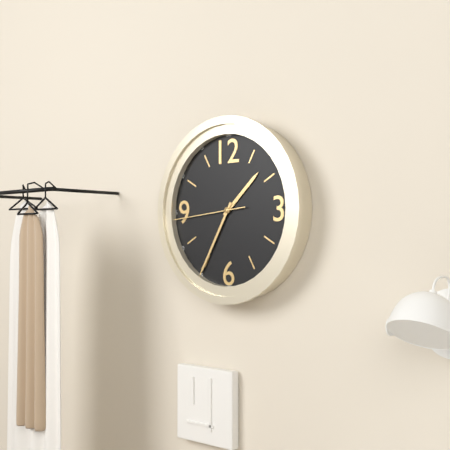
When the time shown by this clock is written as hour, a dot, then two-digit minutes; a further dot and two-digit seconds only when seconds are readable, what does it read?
1.35.44
